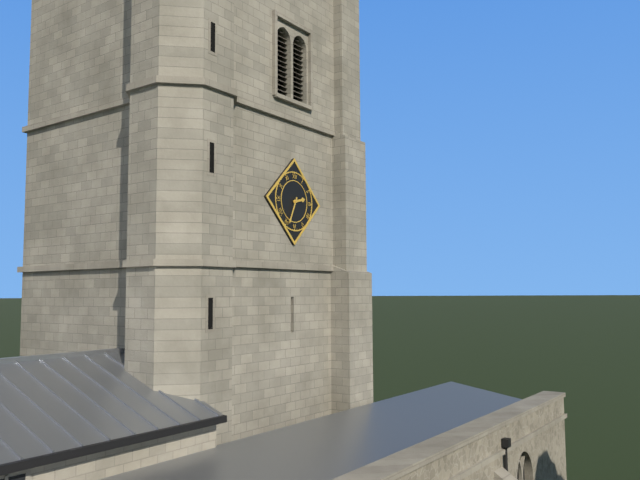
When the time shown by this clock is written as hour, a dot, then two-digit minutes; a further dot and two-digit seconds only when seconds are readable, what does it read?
2.34
